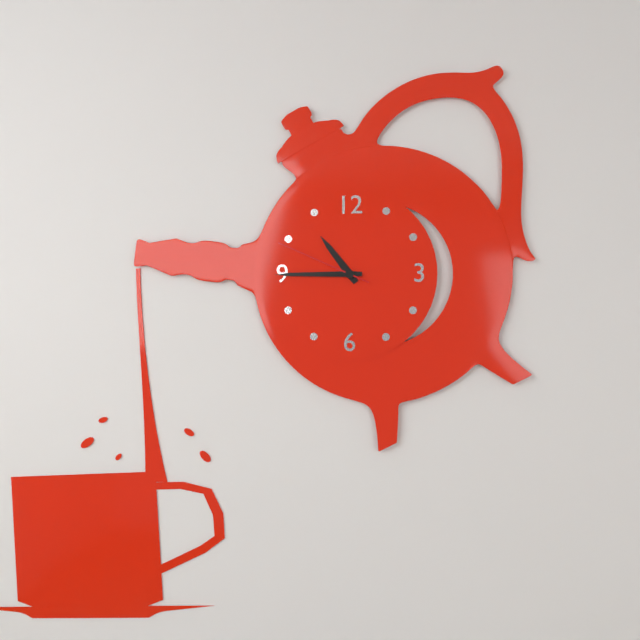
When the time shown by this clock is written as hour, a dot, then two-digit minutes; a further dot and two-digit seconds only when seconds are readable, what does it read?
10.45.49
